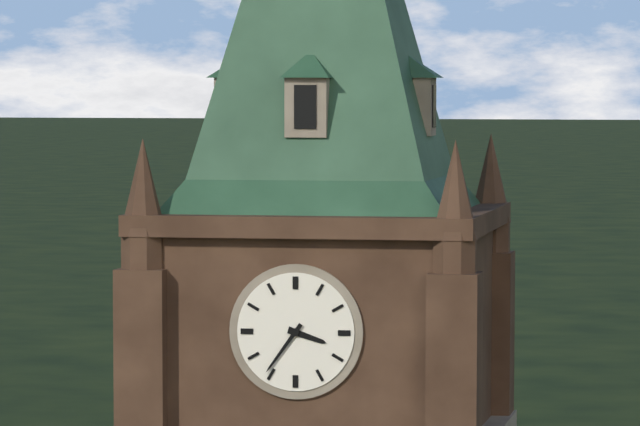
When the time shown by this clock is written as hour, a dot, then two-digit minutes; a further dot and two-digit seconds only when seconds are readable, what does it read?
3.36
